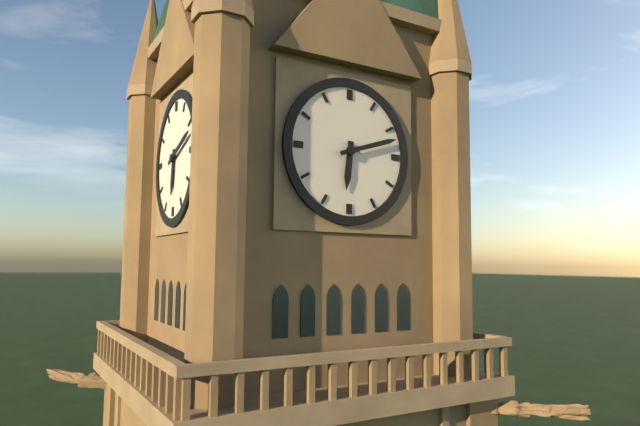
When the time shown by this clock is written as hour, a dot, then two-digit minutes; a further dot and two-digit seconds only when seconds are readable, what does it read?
6.12
